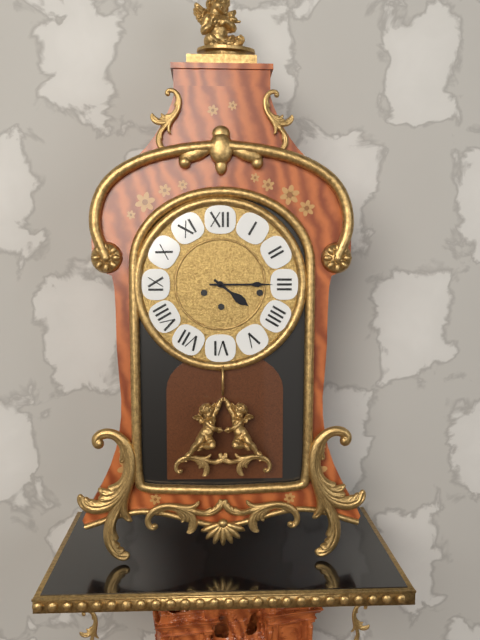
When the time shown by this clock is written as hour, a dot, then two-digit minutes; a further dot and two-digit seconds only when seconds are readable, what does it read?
4.15
